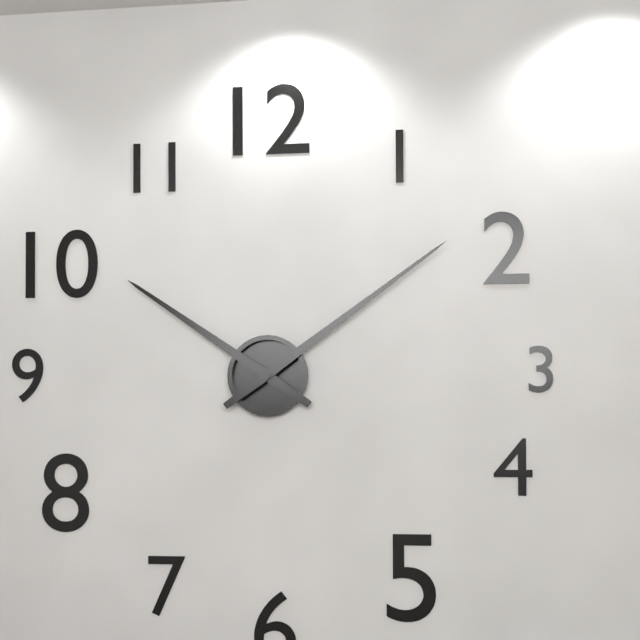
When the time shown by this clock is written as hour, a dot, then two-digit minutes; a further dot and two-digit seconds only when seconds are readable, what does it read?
10.09
